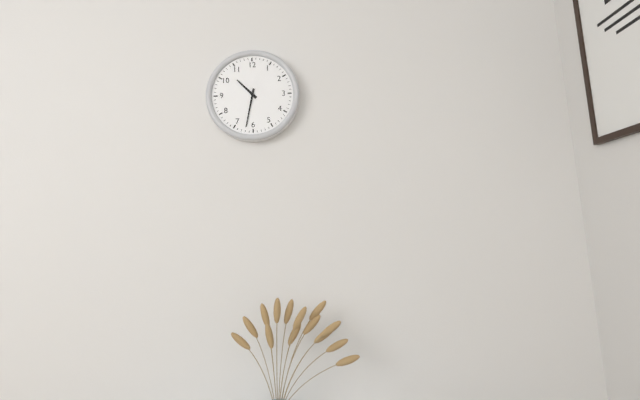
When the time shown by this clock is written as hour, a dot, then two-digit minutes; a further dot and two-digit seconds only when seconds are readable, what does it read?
10.32
